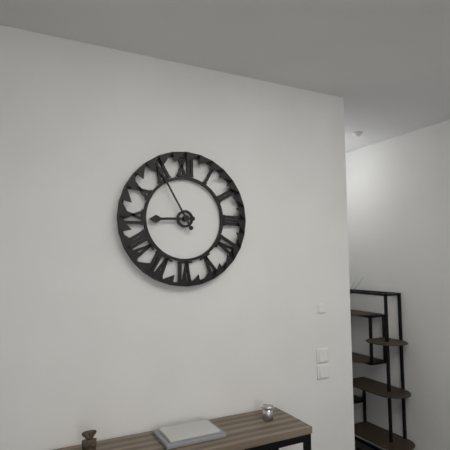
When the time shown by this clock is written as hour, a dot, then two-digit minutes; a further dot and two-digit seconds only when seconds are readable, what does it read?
8.55
